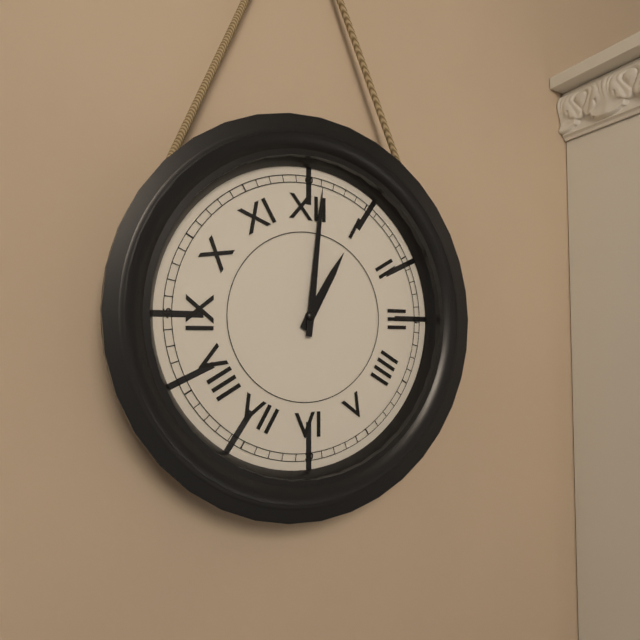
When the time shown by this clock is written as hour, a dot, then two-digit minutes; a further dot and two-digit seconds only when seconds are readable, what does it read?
1.01
